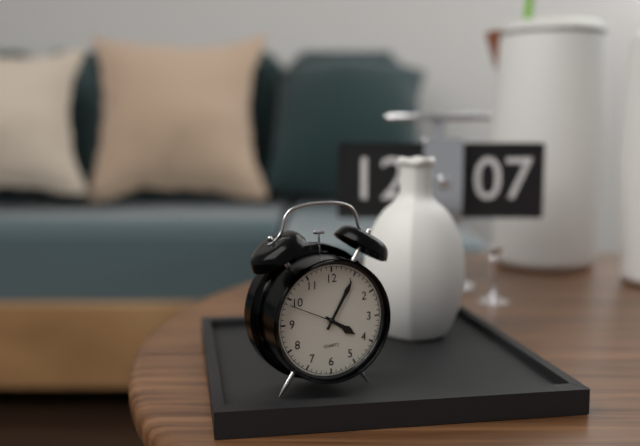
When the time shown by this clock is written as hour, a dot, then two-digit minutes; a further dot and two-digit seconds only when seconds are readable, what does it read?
4.05.49
